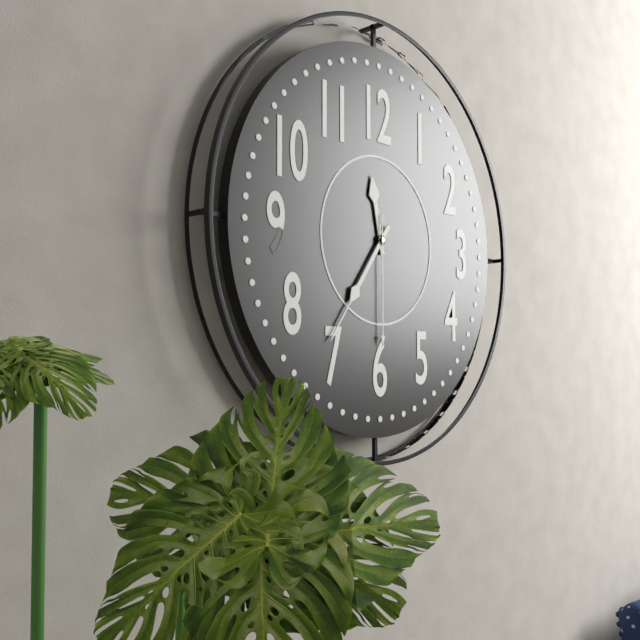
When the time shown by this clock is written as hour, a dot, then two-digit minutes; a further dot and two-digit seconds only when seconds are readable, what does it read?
11.36.30
